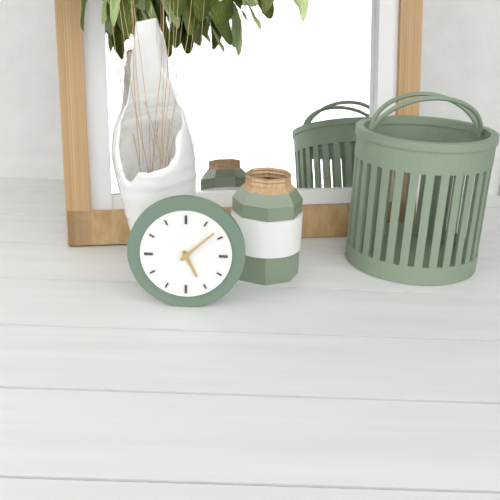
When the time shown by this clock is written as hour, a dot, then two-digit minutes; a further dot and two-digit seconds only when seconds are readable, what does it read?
5.08
